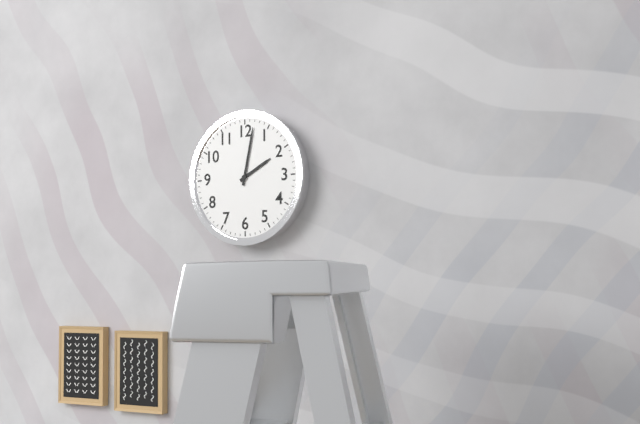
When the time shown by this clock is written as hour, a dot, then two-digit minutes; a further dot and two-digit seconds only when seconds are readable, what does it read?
2.02
